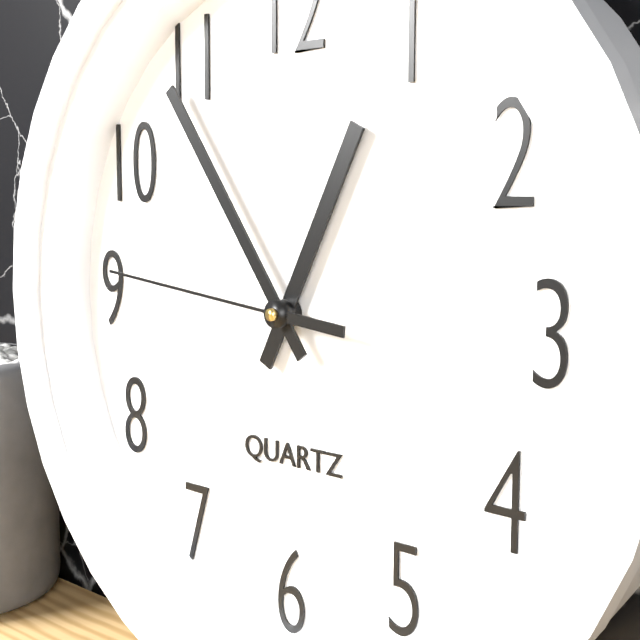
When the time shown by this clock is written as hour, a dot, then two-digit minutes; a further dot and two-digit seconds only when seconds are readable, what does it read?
12.54.46
